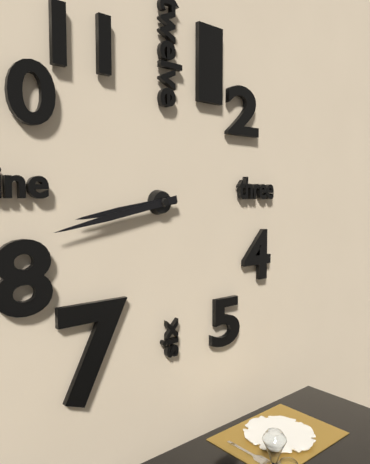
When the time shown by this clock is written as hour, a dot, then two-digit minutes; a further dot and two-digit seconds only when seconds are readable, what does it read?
8.43
